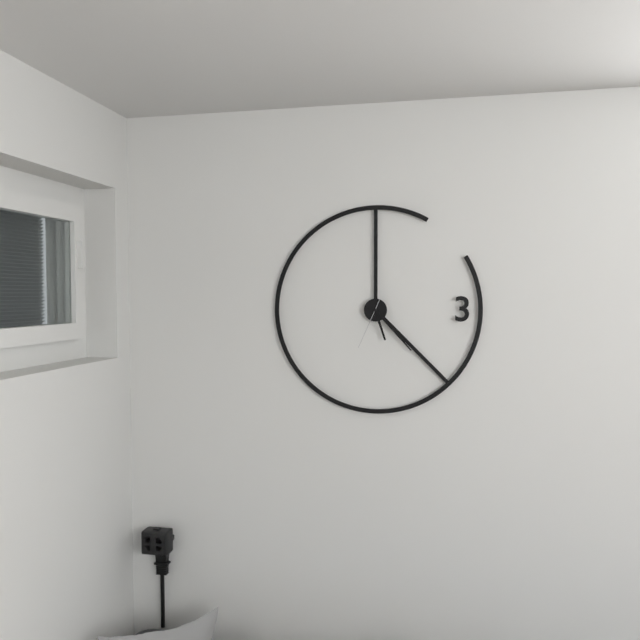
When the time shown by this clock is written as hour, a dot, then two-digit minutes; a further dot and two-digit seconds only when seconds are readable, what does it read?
5.23.34
